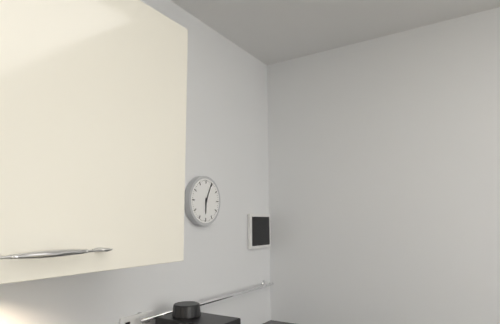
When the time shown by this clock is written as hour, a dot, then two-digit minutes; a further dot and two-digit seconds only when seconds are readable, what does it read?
6.04
